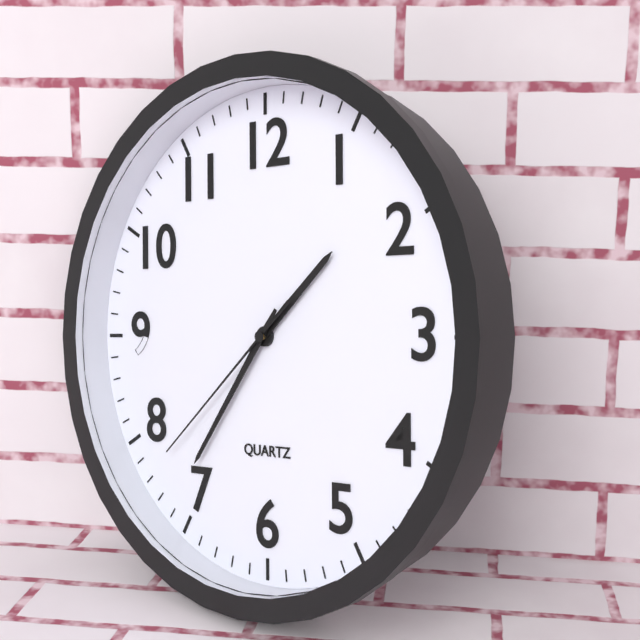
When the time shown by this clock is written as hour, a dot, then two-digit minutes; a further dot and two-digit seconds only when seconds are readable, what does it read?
1.36.38
